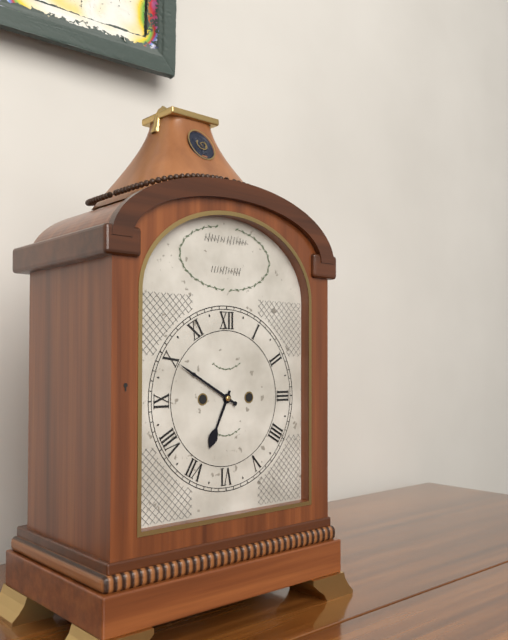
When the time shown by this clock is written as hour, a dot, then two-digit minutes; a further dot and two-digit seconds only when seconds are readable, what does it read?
6.50
